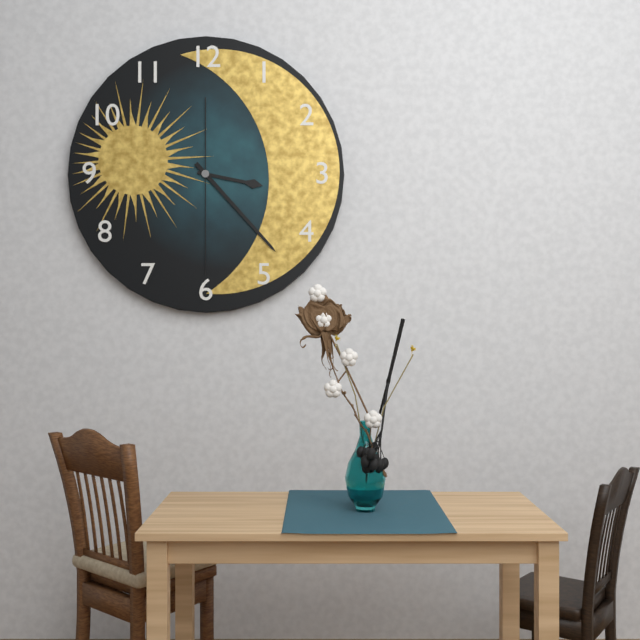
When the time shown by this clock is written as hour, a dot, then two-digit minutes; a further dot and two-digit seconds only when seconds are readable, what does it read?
3.23.30
